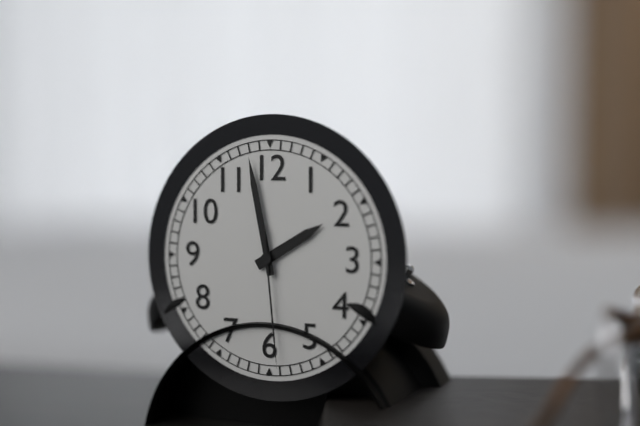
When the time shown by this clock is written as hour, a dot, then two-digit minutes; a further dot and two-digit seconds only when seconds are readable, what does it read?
1.58.29
